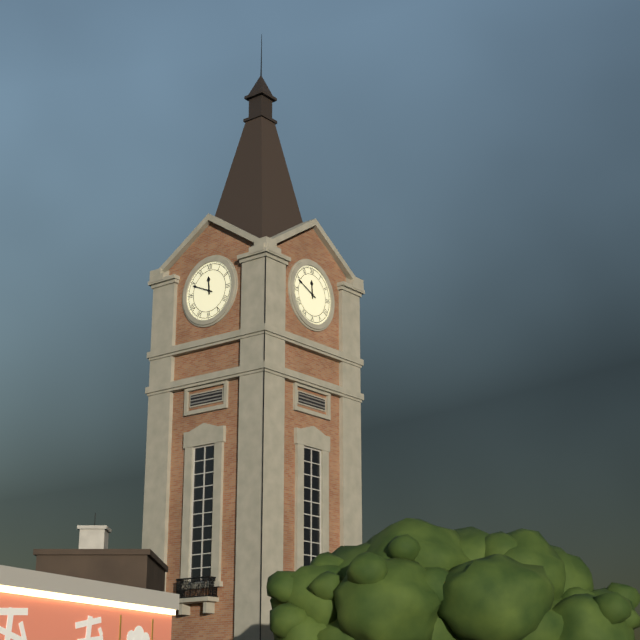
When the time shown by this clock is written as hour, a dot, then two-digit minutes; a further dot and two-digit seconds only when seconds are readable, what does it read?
11.49
